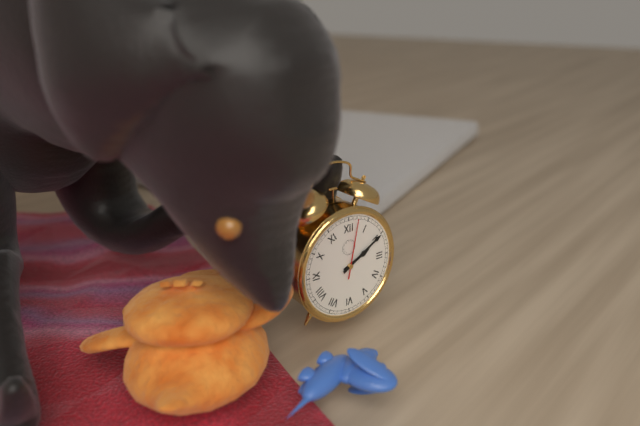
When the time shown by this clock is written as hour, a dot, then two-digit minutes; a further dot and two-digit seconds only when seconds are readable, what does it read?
2.10.02
